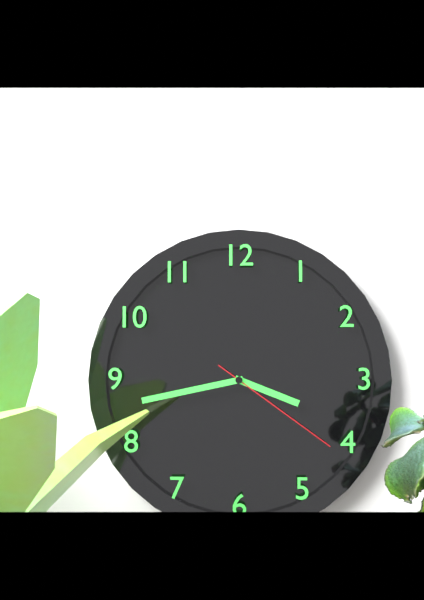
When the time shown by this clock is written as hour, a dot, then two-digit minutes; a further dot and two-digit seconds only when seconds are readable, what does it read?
3.43.21
